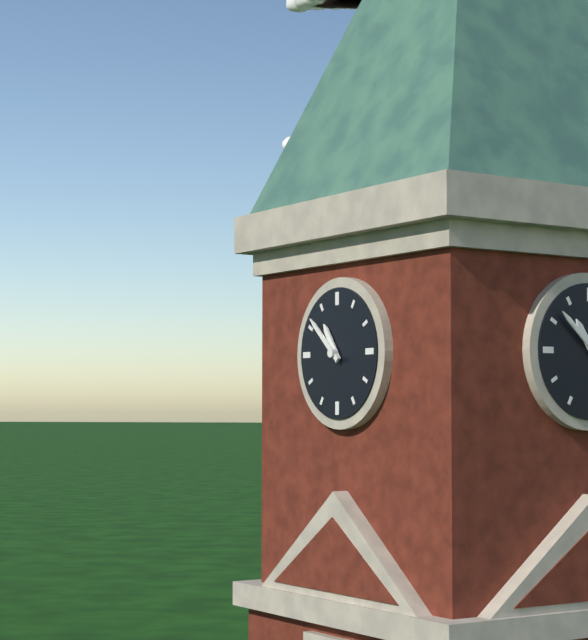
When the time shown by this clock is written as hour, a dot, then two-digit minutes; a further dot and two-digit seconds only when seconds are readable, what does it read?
10.52
